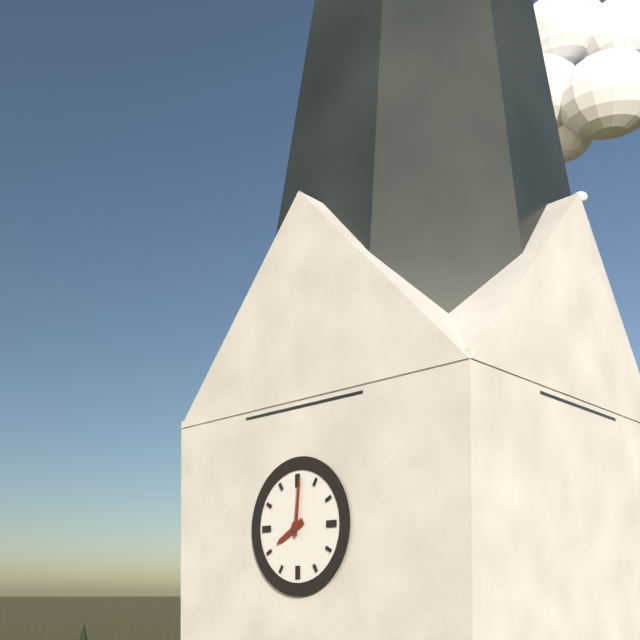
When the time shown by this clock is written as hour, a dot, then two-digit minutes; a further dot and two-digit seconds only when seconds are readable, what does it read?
8.01
